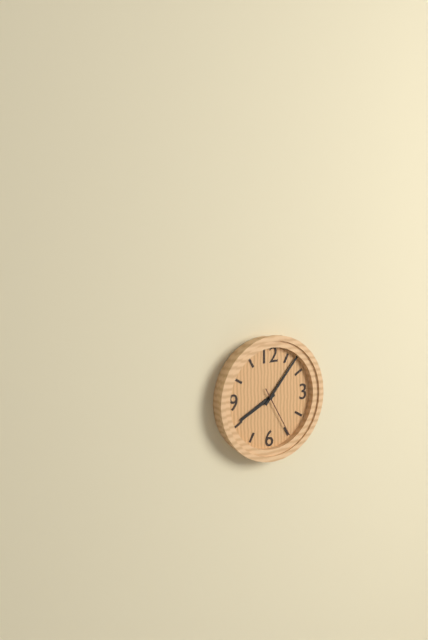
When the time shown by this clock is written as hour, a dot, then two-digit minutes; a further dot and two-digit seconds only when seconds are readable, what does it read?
8.07.25
